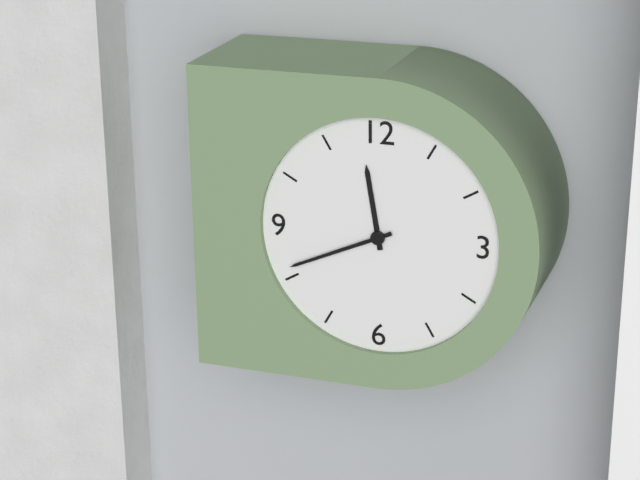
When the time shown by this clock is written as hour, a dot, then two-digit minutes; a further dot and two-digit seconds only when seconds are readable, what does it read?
11.41
